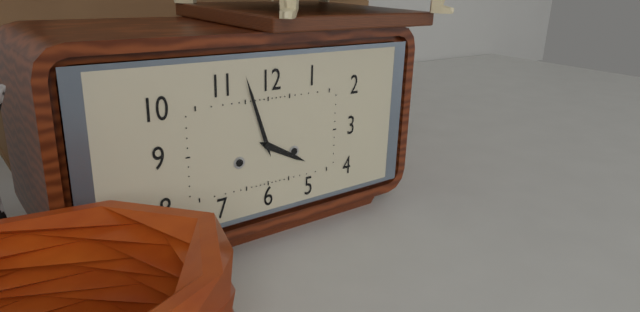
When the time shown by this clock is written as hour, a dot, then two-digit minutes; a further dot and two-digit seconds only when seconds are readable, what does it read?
3.57
